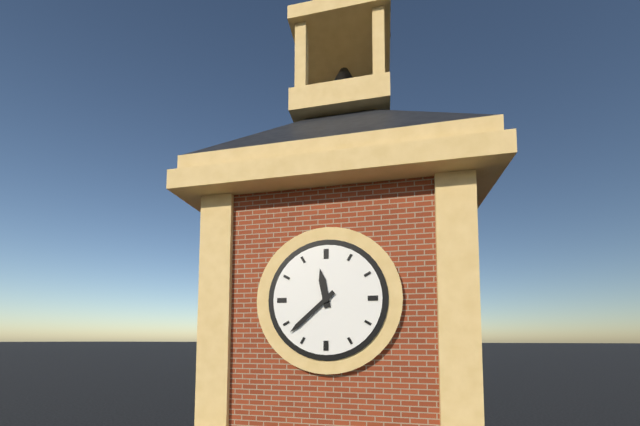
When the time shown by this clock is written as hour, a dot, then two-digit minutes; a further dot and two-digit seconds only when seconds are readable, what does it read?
11.38
